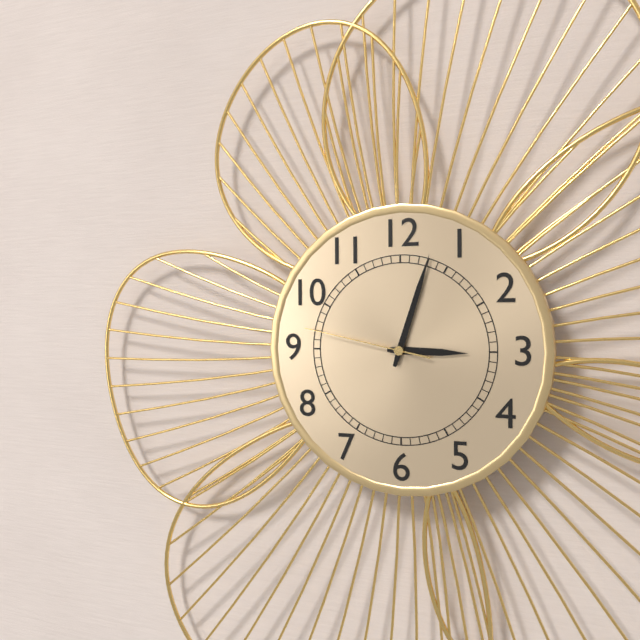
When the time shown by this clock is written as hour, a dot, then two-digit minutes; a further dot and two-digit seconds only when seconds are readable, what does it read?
3.03.47
